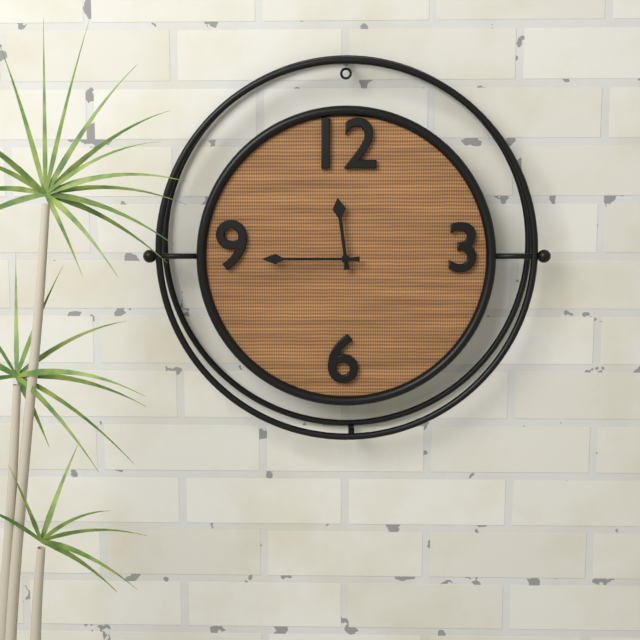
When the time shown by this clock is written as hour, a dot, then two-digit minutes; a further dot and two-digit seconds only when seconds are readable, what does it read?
11.45
